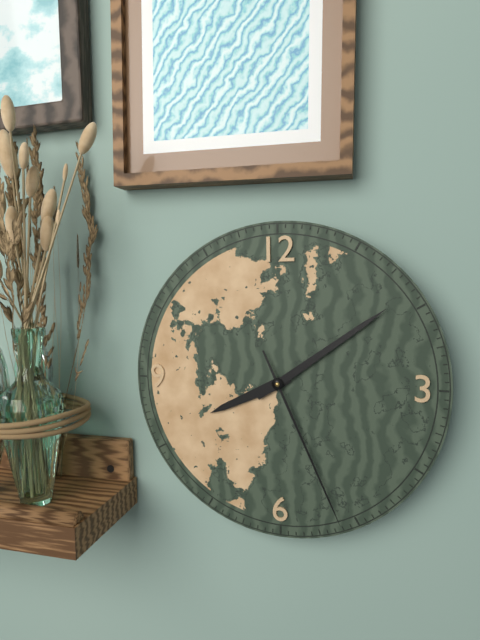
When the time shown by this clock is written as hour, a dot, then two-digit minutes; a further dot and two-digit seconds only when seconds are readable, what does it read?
8.09.26
